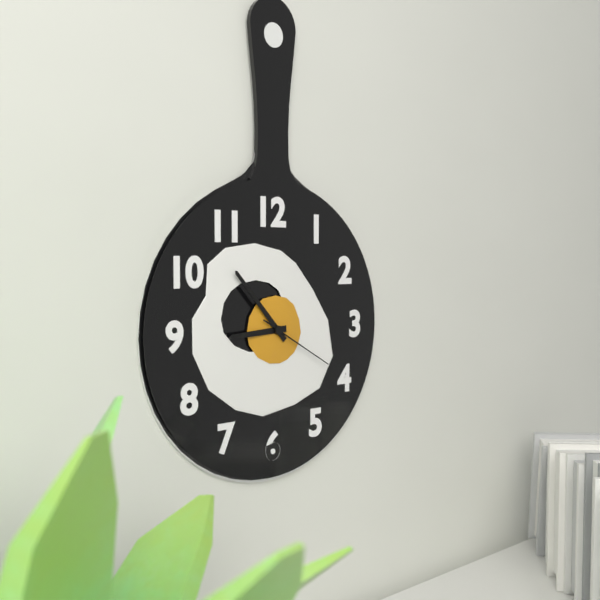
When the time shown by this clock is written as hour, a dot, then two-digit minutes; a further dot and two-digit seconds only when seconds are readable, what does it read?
8.53.20
